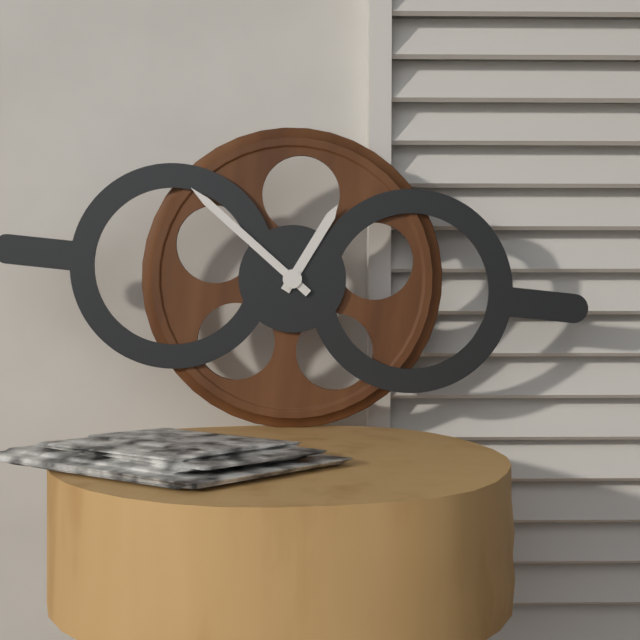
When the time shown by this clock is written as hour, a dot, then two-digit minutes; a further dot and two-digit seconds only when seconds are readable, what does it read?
12.51
